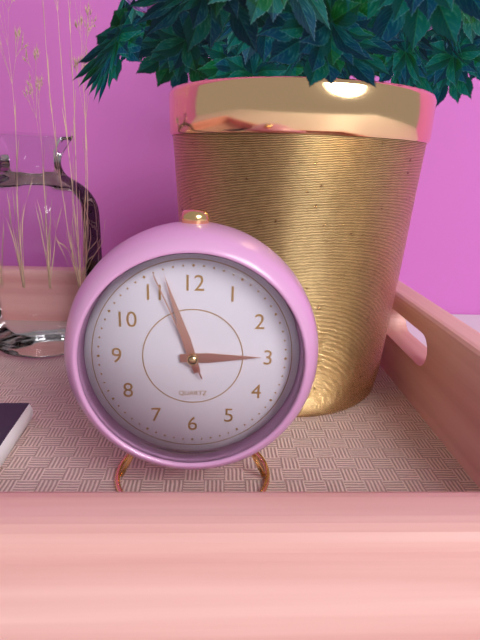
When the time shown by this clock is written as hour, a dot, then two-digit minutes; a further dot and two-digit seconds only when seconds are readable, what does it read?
2.57.56
